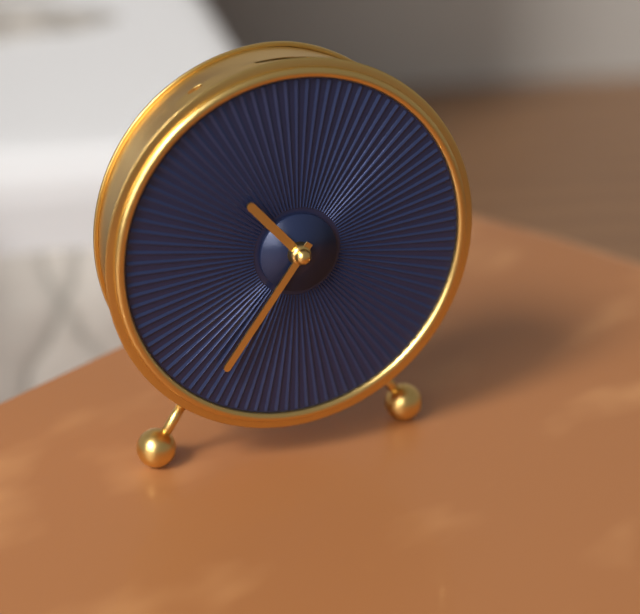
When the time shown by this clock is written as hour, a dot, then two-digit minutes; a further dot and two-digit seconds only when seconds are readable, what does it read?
10.36
